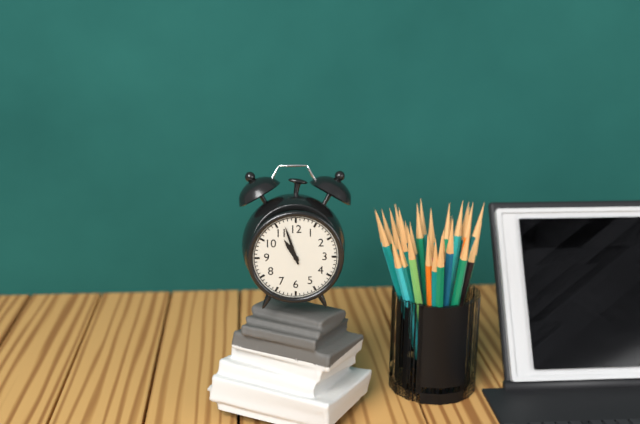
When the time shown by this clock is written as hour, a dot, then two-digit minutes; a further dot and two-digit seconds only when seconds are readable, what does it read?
10.57
